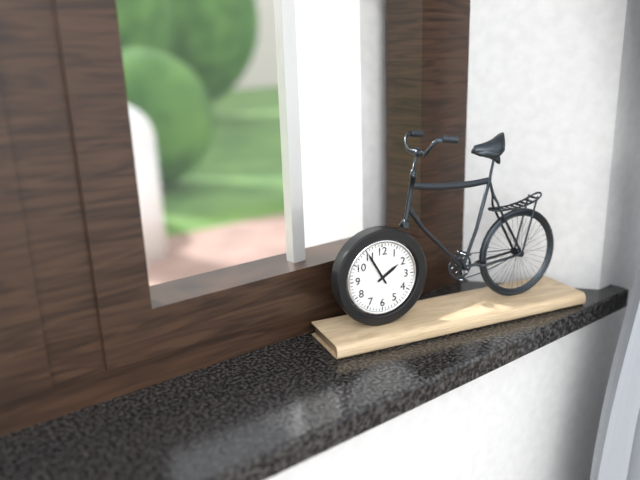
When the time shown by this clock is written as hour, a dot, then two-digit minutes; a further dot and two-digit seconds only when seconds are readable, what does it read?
1.55
